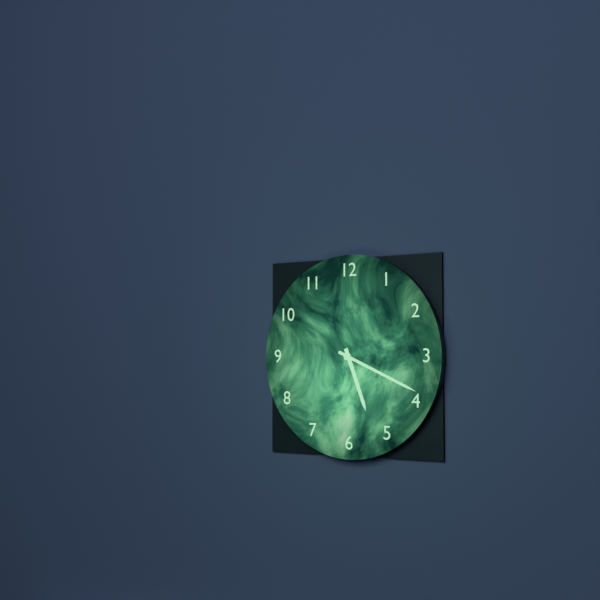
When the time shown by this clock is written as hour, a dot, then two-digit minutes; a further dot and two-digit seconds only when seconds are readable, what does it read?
5.19
